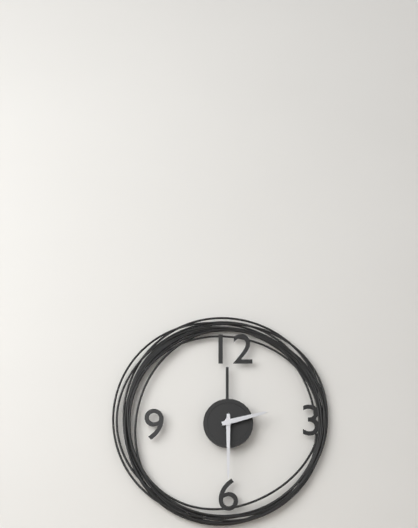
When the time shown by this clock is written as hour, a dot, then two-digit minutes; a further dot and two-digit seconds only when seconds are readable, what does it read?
2.30
